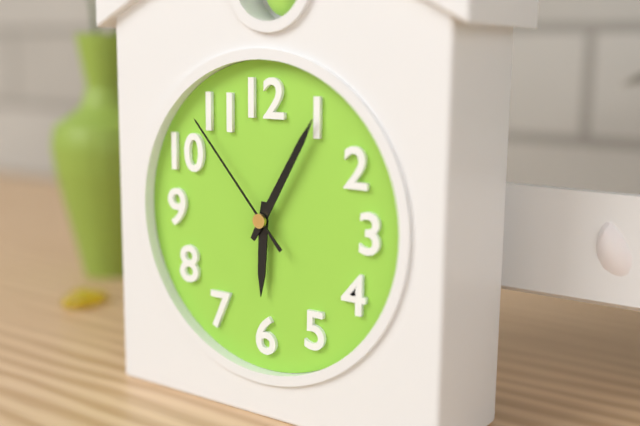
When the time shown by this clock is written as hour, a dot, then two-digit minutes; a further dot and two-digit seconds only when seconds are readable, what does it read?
6.05.53
